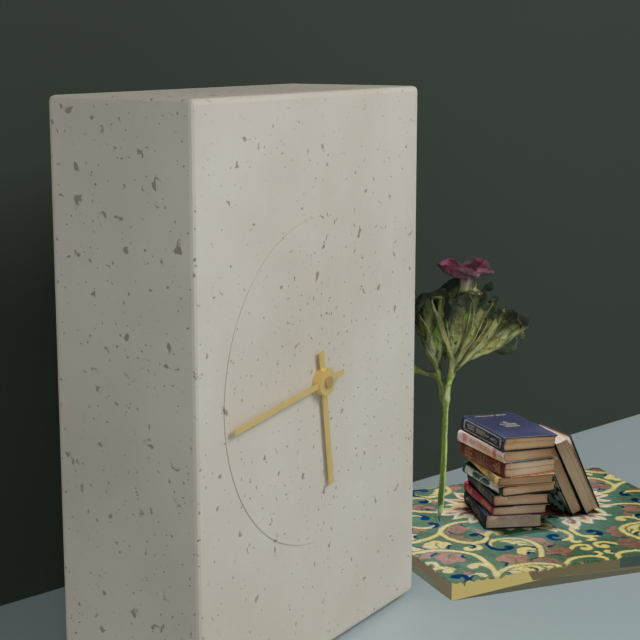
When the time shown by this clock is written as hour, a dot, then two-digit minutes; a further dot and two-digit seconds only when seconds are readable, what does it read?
5.44
